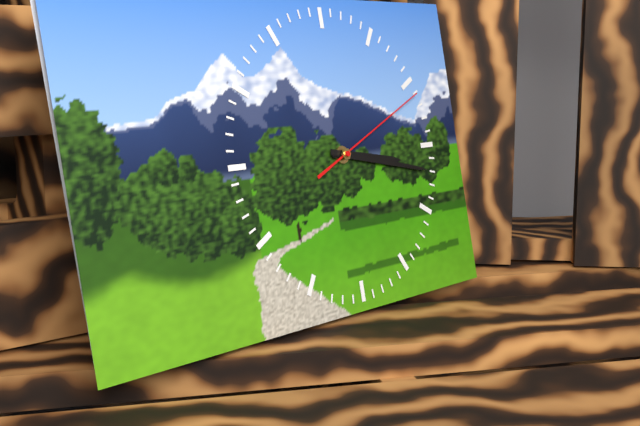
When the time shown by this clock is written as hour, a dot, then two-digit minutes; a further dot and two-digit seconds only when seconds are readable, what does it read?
3.17.11
